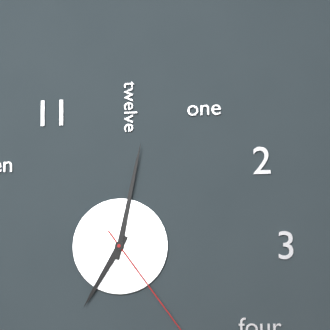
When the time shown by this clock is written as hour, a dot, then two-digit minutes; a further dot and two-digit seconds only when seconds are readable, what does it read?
7.02
